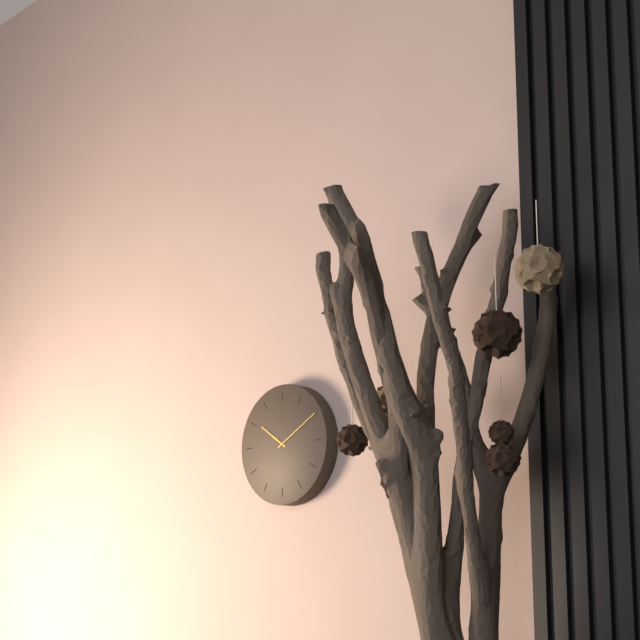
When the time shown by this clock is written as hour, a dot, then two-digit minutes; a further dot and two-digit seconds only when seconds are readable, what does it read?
10.10
